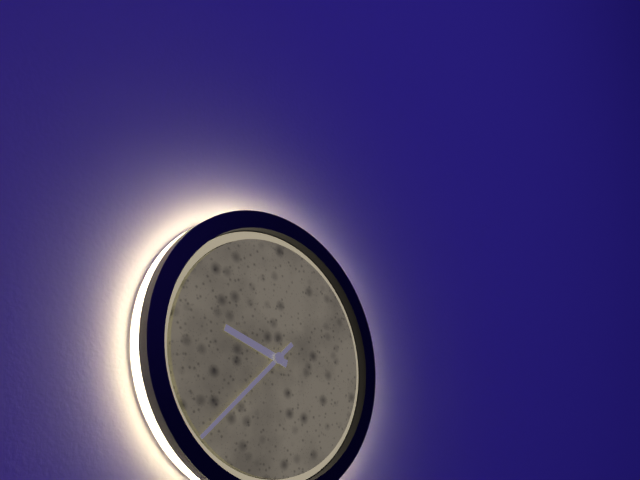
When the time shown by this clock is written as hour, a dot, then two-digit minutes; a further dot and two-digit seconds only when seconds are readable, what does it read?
9.38
